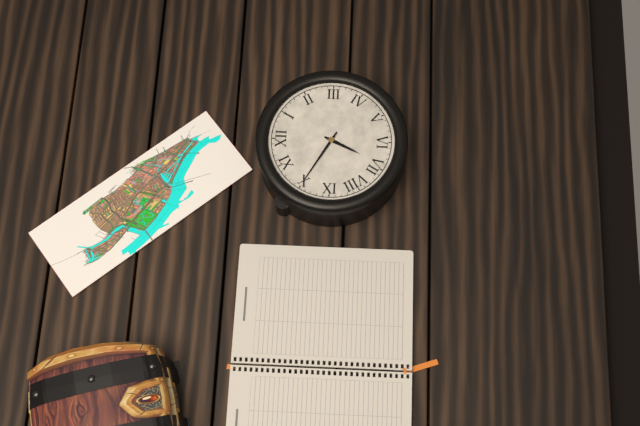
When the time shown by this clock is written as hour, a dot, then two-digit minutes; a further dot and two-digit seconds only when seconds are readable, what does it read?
6.50
